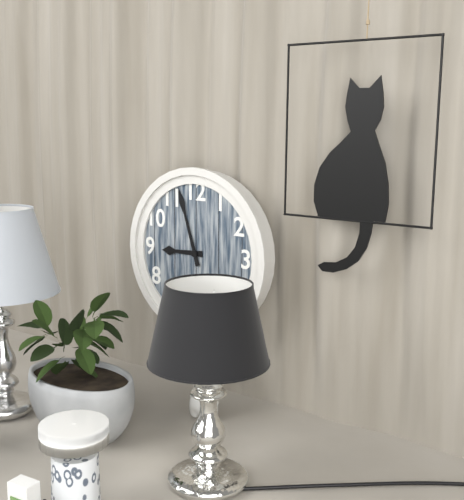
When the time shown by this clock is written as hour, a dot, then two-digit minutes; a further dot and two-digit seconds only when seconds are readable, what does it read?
8.57
